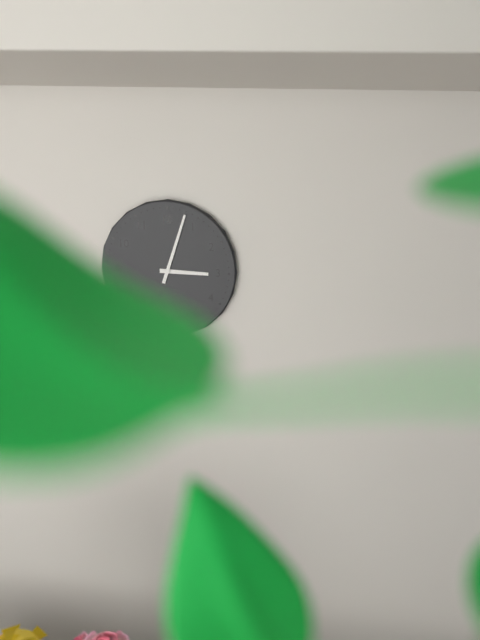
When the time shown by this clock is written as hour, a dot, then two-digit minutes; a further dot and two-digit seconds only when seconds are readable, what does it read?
3.03
